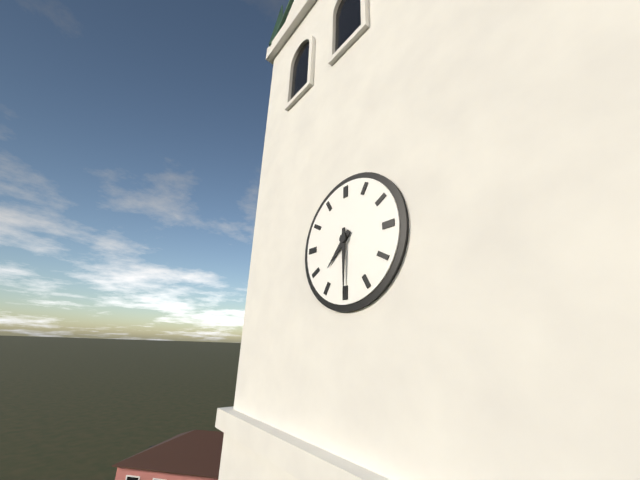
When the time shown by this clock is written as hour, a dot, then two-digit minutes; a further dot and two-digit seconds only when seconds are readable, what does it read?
7.30
